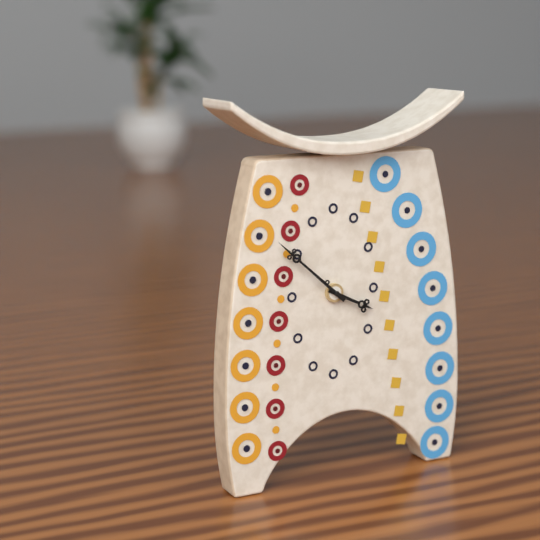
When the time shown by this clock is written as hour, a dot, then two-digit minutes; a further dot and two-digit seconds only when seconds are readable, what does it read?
3.52
